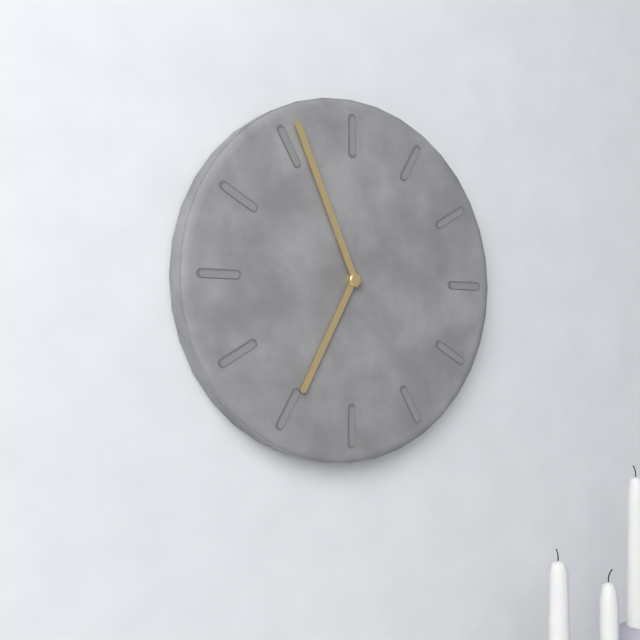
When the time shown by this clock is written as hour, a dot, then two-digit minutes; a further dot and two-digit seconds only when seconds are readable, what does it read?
6.56
